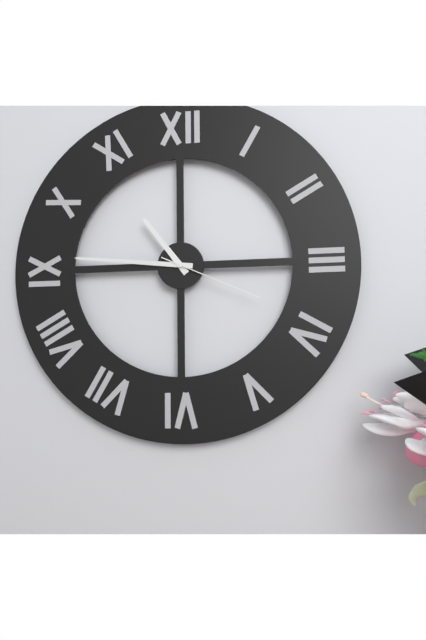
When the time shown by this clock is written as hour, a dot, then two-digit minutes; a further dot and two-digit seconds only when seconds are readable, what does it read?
10.46.19
